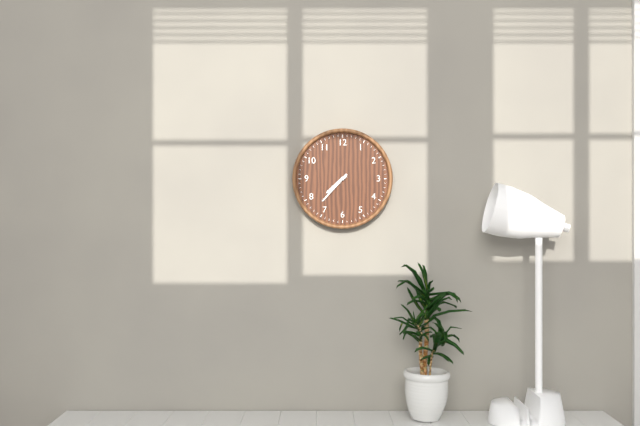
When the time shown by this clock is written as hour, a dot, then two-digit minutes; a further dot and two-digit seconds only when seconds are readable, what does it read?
7.37
